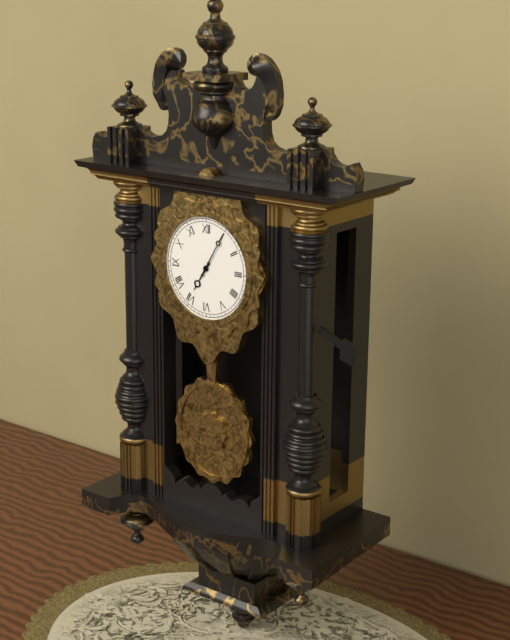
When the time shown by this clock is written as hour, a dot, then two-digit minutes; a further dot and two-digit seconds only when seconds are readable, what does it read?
7.05
